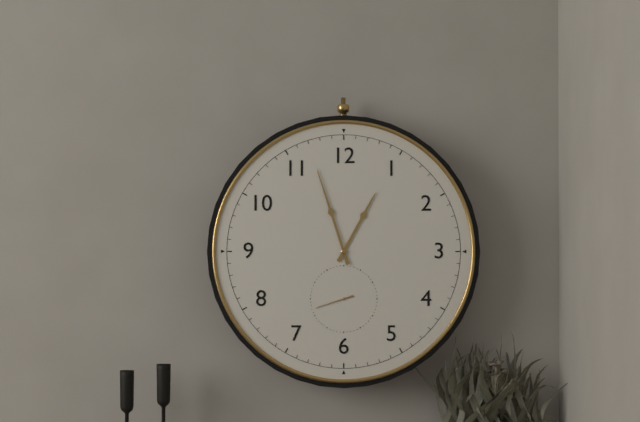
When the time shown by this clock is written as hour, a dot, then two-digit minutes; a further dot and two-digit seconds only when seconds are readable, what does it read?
12.57
